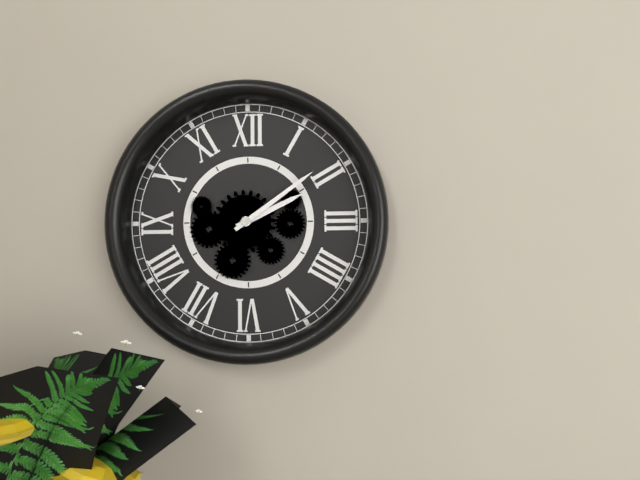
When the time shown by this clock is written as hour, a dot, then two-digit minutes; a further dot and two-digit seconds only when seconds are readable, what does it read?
2.09
